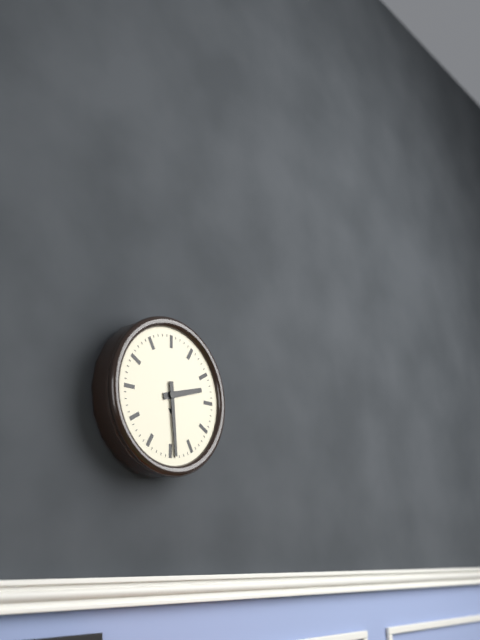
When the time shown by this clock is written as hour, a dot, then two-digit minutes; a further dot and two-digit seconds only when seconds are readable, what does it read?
2.29
